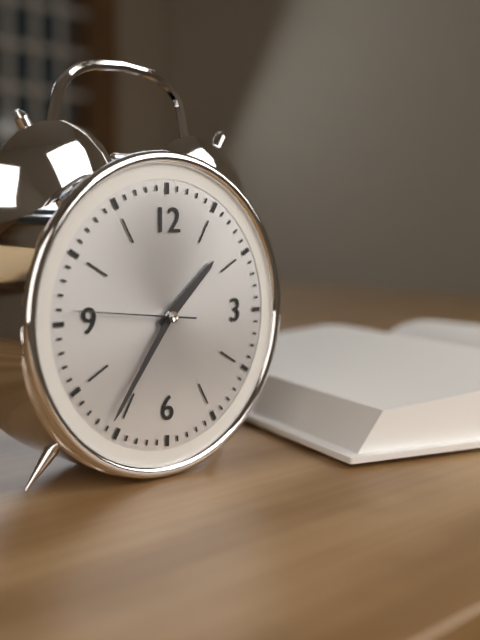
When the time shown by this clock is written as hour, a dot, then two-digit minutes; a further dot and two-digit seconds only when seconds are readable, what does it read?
1.36.46
